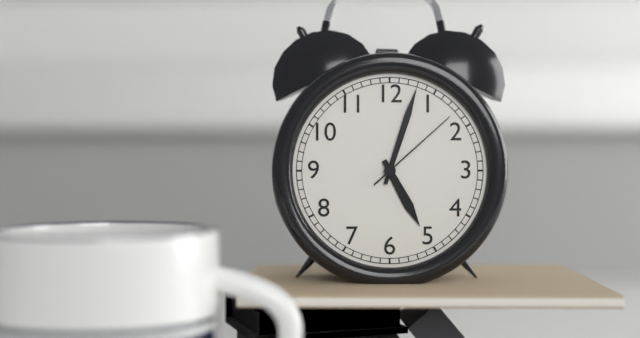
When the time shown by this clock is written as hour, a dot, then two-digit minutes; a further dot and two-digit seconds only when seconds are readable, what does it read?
5.03.08
